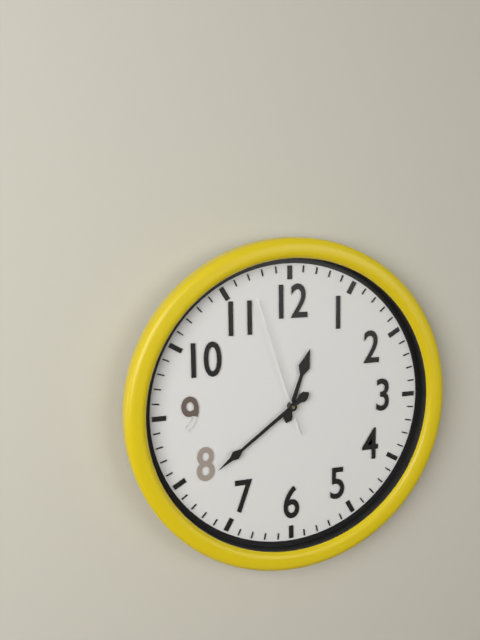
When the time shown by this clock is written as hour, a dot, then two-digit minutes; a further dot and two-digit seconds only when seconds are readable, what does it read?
12.39.57
